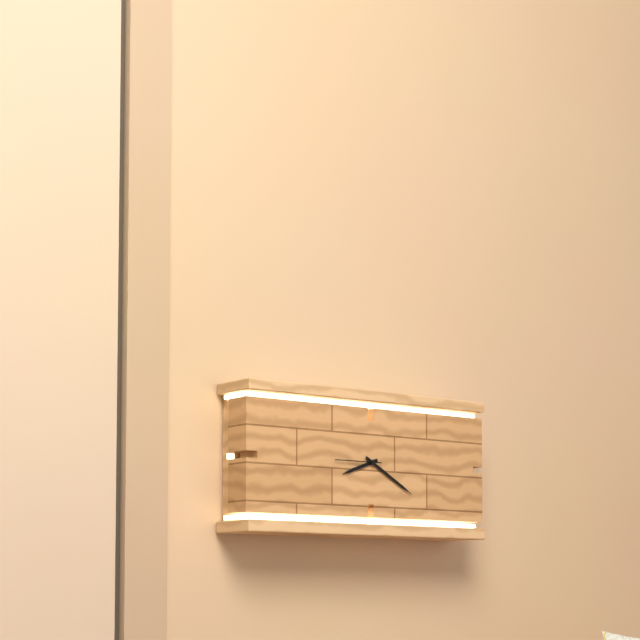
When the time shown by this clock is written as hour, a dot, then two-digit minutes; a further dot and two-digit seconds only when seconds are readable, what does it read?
8.20
